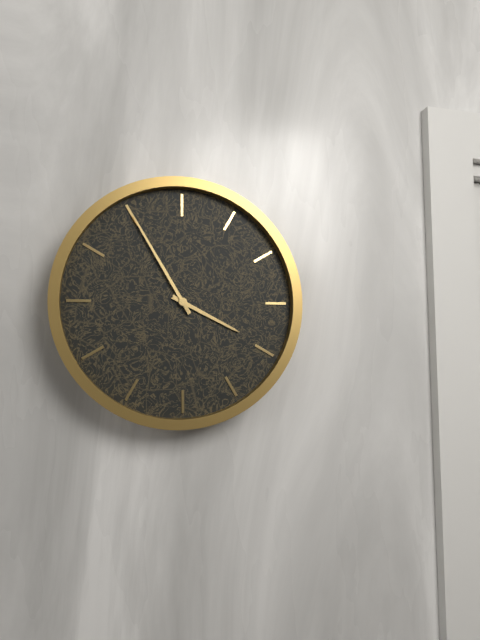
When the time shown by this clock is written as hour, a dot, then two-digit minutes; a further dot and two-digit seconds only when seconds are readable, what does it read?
3.55
